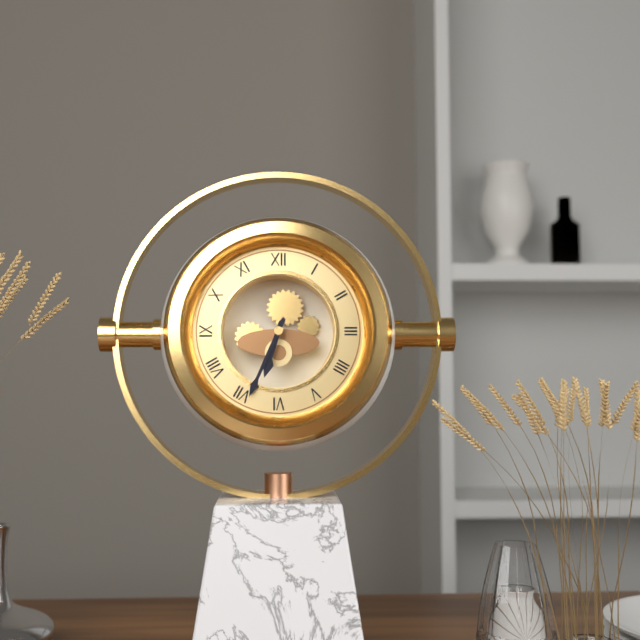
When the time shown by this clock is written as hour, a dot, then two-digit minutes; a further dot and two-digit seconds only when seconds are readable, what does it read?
6.34
